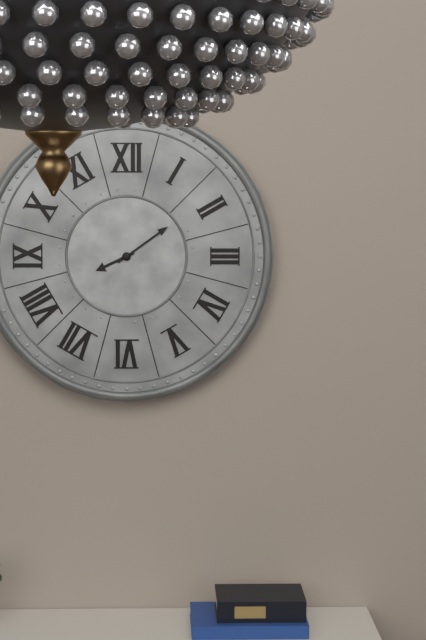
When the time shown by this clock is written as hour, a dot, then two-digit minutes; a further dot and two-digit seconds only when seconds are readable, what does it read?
8.09
